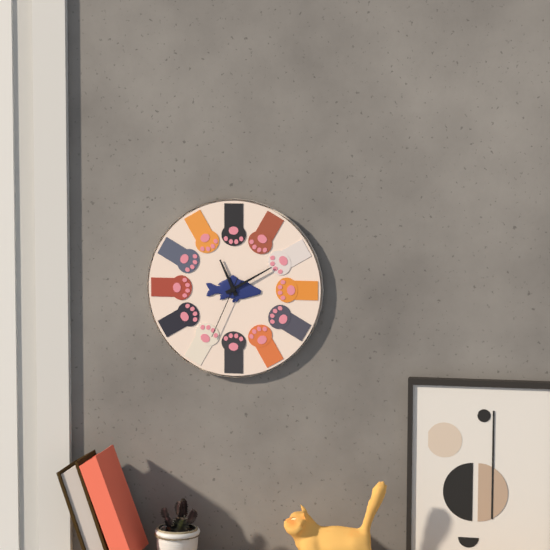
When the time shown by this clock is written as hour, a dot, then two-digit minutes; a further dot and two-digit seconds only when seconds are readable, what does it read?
11.10.34
